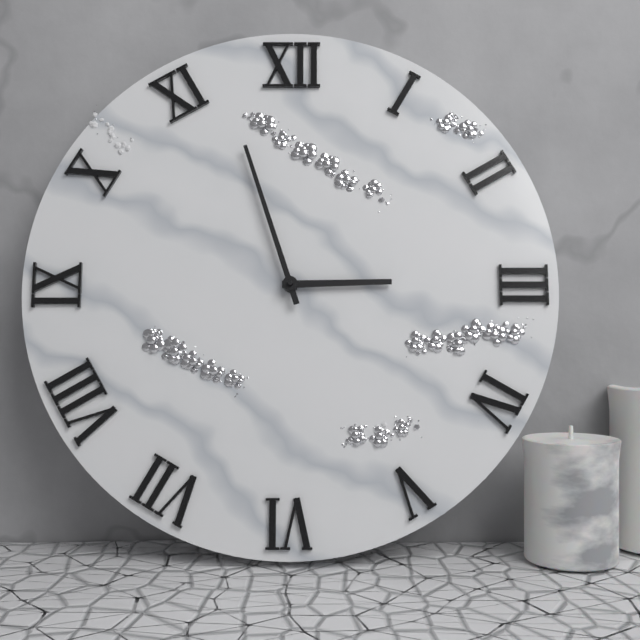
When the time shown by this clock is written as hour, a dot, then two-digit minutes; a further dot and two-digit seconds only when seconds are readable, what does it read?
2.57
